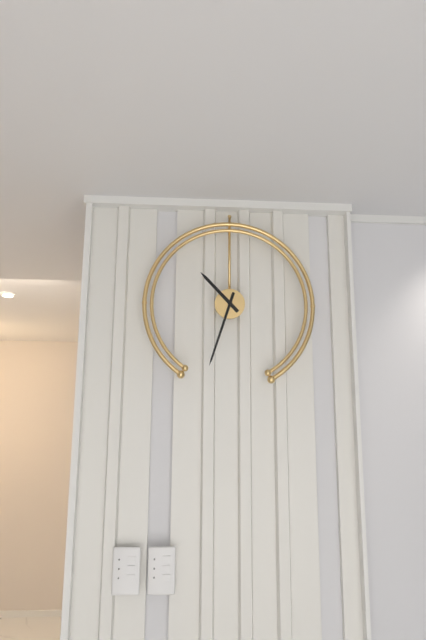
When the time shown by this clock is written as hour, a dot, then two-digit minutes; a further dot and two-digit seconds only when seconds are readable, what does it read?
10.33
